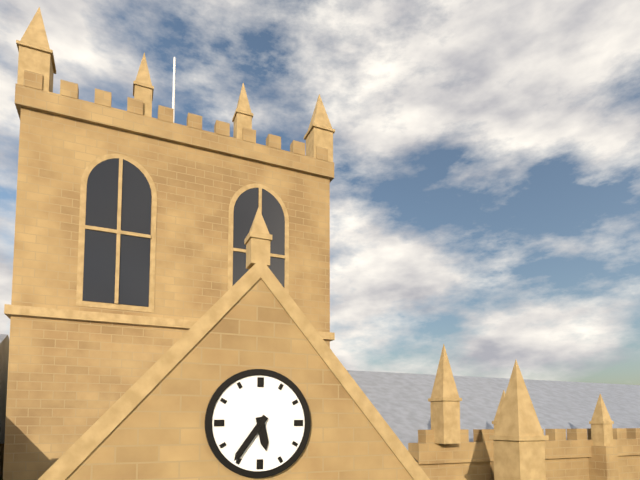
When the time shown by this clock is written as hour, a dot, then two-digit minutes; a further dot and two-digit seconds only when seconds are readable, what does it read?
5.36
